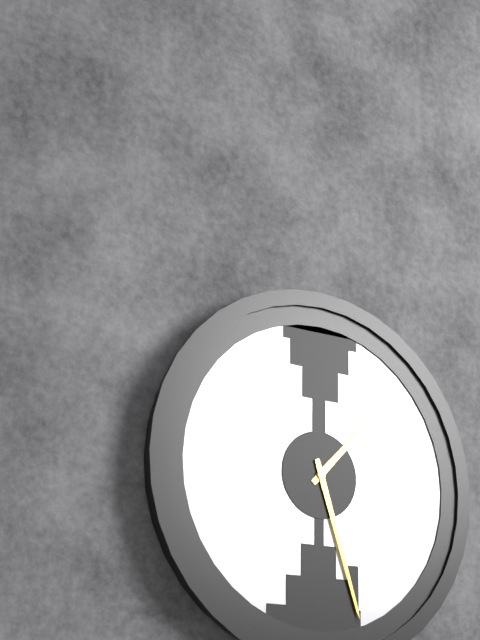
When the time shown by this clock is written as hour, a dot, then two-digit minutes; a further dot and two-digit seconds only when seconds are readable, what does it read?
1.27
